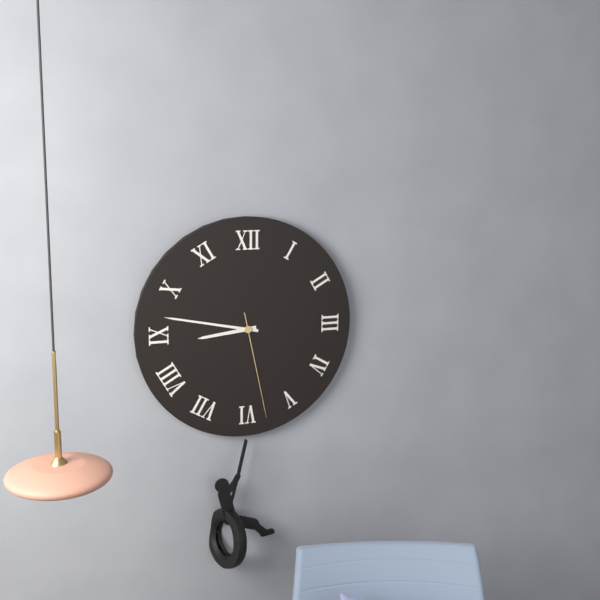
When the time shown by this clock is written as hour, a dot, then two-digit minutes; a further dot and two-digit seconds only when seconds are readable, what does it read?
8.47.28
